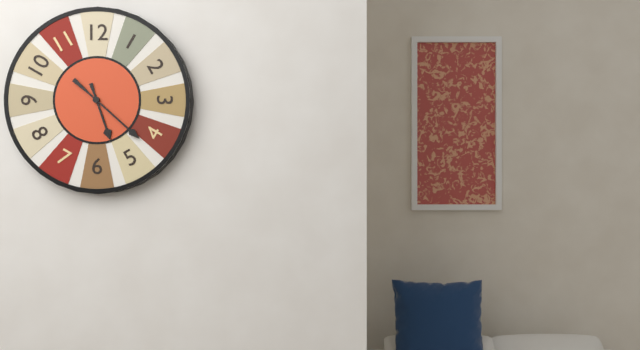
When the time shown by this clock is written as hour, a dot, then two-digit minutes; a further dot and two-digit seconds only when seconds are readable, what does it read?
5.22
